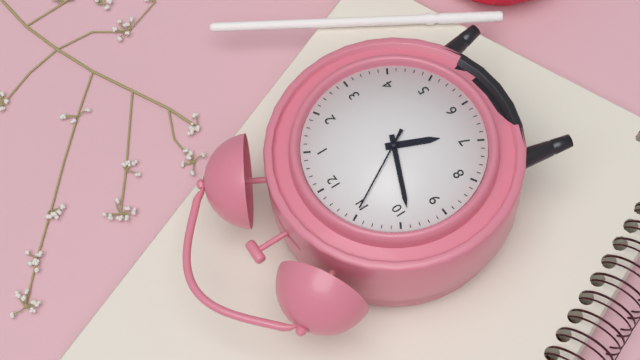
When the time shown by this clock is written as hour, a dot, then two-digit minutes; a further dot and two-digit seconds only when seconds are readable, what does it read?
6.49.55
